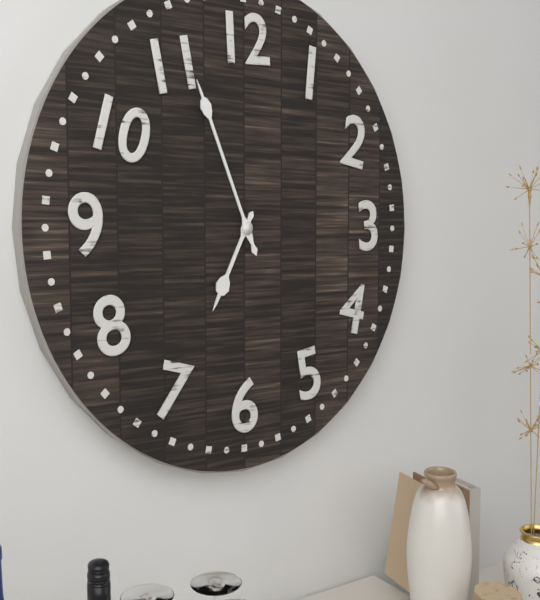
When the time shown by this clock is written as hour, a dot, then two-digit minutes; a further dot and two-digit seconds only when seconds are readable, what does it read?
6.56
